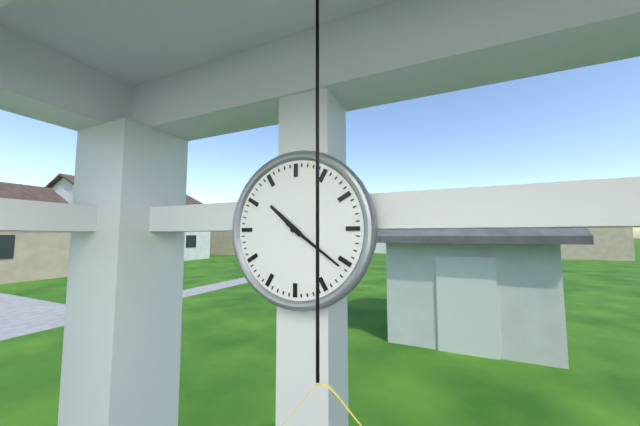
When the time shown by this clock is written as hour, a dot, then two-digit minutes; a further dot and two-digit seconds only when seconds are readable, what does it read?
10.21
